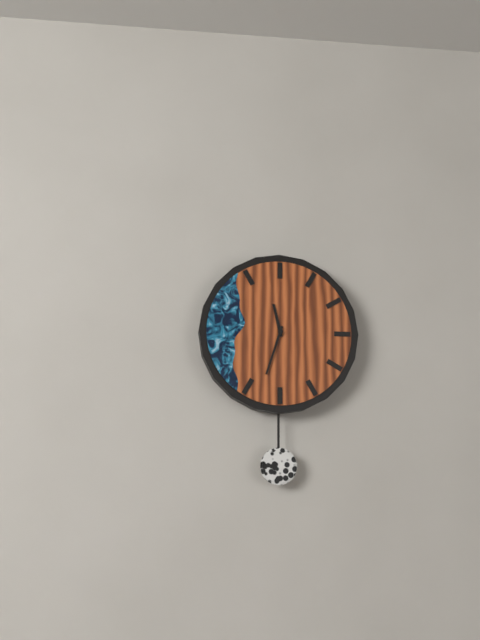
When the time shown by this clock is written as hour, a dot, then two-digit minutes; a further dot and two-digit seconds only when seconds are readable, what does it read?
11.33
